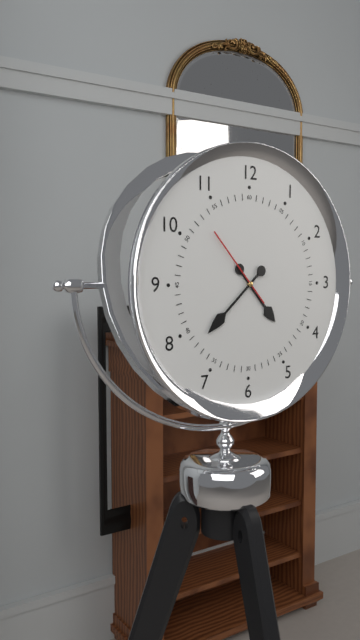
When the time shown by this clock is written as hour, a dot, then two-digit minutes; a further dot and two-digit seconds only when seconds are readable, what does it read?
4.38.53
